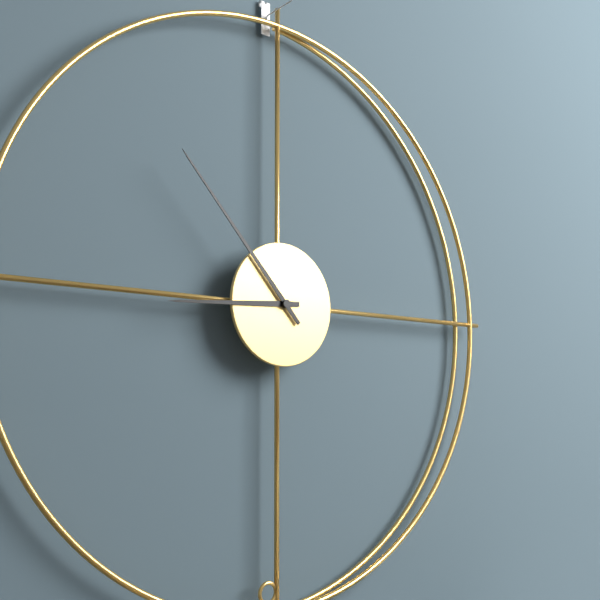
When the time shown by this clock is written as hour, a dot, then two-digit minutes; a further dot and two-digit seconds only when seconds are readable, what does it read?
8.53
